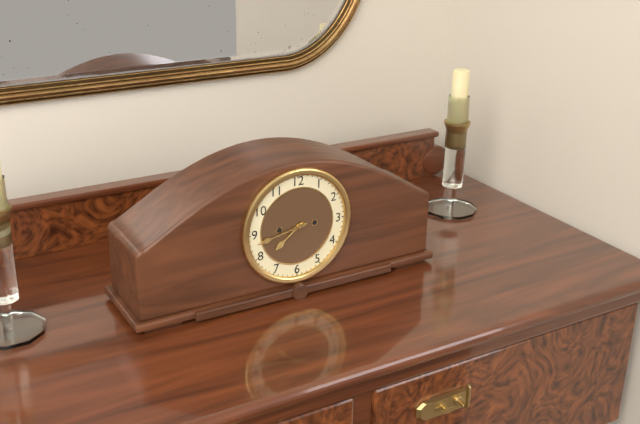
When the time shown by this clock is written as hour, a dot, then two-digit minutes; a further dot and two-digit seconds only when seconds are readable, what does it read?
7.43
